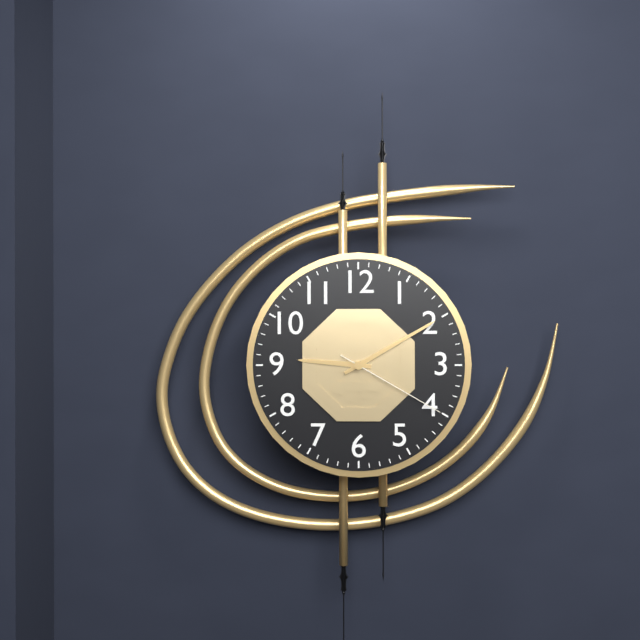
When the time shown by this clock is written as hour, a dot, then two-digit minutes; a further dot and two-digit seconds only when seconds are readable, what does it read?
9.10.20
